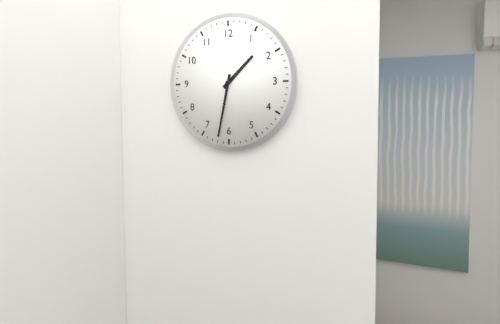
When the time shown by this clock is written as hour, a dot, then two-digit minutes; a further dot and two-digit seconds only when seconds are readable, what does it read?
1.32
